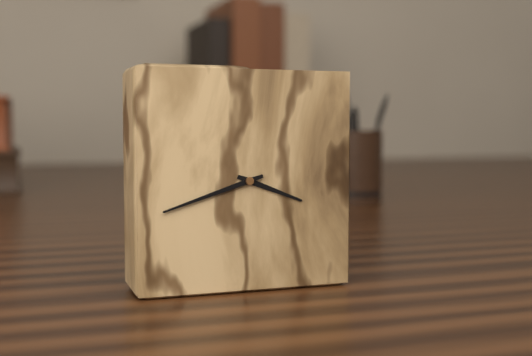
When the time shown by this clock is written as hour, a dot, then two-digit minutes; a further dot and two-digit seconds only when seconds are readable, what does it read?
3.42
